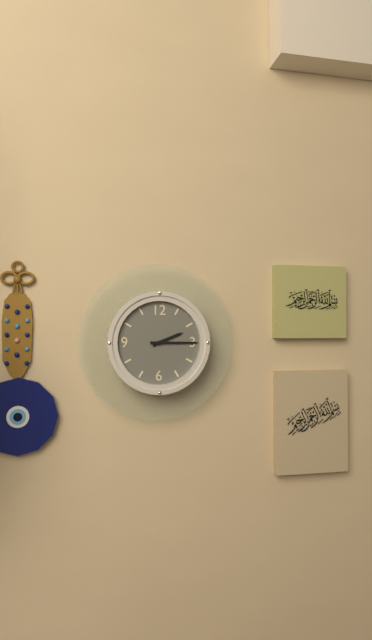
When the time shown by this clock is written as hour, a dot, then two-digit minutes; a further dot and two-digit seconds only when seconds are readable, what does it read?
2.15
